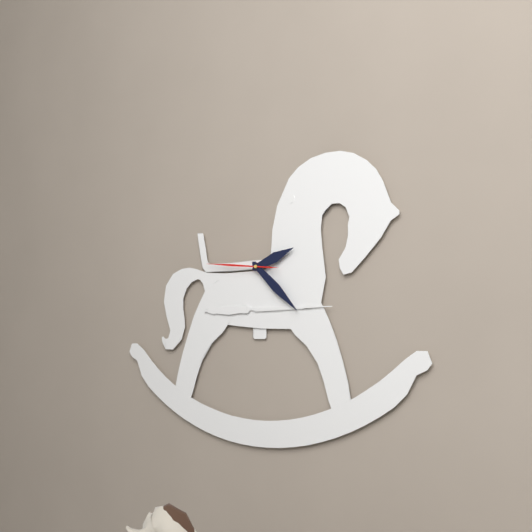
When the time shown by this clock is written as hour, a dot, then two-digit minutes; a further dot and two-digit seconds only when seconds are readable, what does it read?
2.22.46
